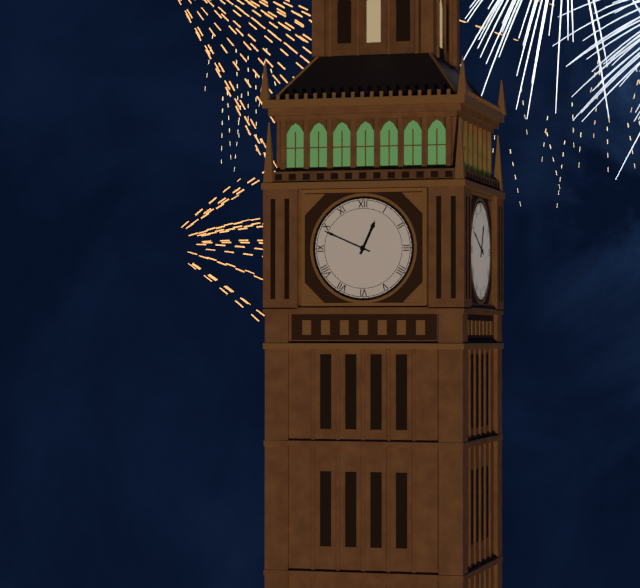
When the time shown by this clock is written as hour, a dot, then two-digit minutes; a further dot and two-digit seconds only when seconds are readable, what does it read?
12.49
